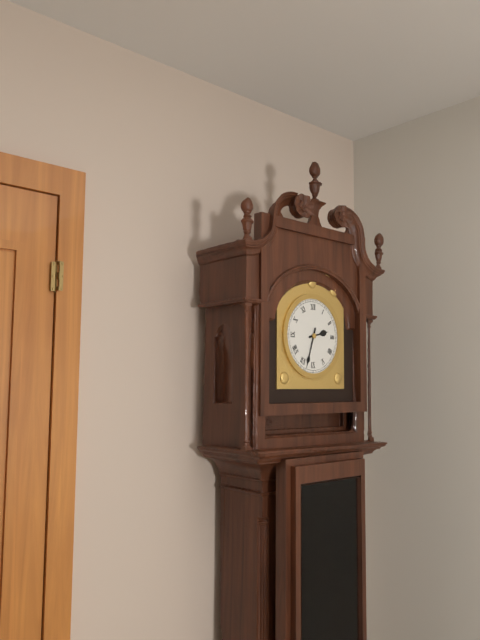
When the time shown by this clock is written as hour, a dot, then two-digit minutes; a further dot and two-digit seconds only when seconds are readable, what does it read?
2.33
